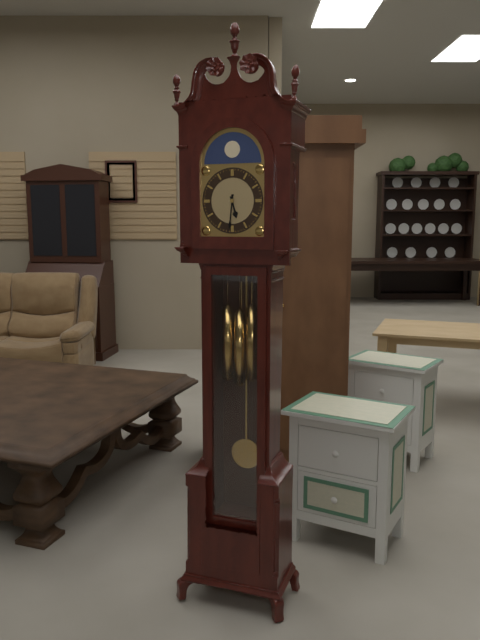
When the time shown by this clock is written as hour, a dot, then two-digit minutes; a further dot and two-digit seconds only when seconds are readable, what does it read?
5.31
